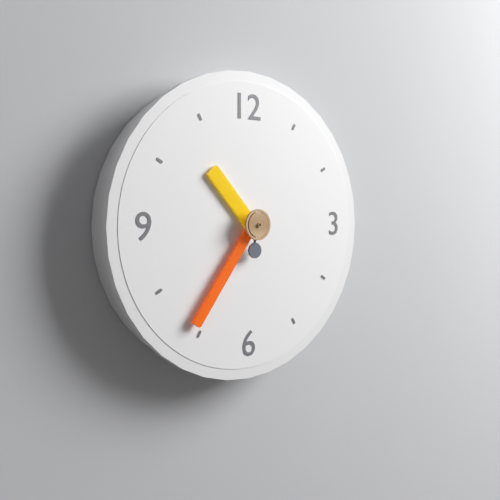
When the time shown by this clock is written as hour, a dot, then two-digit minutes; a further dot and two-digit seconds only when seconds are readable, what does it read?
10.36
